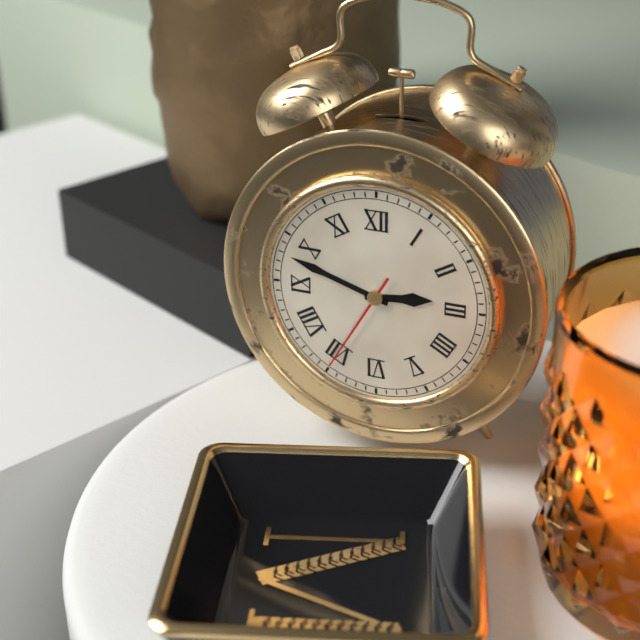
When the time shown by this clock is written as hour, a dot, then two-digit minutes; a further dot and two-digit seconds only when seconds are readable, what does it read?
2.48.35
